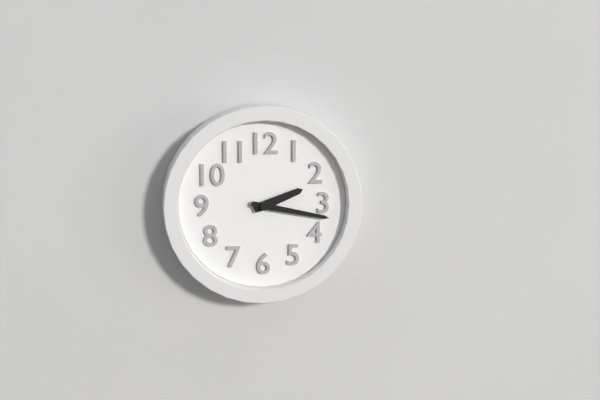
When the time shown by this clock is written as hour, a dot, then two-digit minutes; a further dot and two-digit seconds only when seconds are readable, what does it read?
2.17
